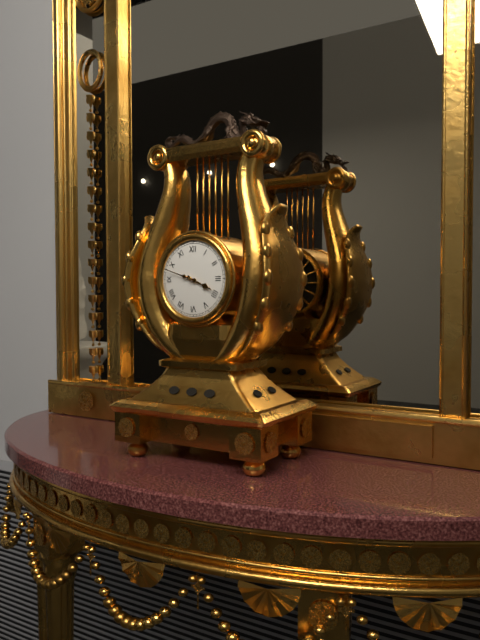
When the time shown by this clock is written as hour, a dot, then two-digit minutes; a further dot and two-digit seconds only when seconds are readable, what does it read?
3.48
